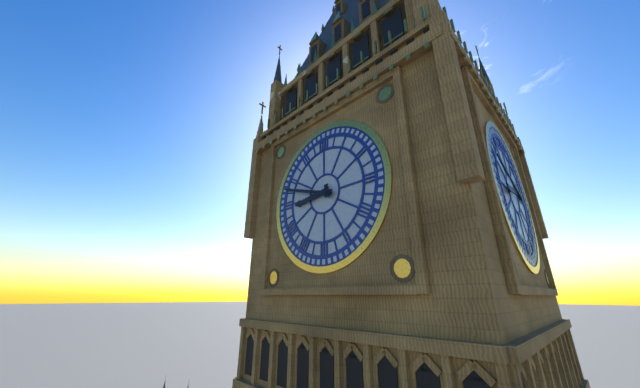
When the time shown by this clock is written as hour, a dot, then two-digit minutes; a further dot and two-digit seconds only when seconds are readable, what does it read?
8.48
